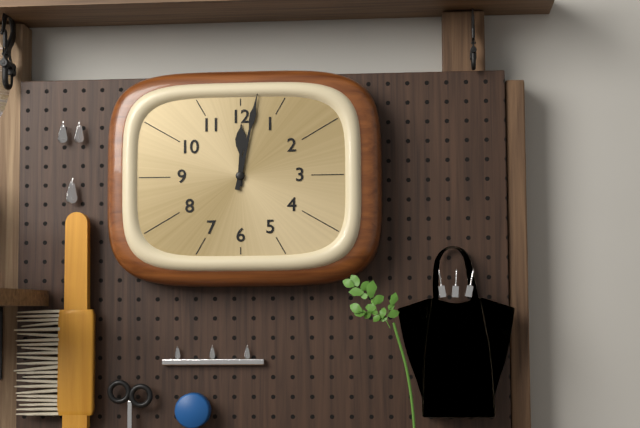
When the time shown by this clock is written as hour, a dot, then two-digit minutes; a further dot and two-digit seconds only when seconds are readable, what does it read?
12.02
